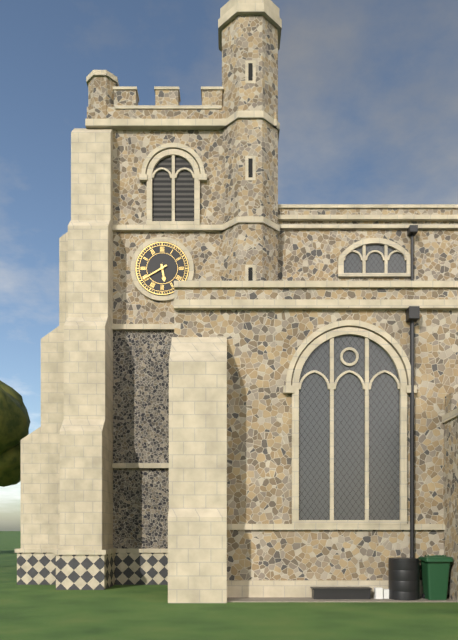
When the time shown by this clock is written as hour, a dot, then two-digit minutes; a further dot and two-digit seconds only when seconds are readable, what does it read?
5.40
